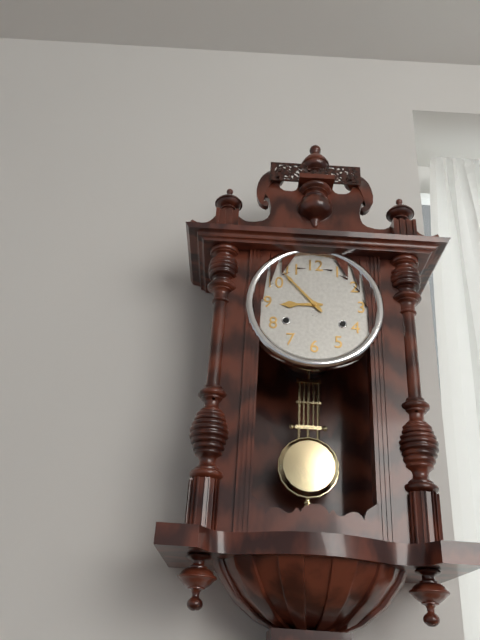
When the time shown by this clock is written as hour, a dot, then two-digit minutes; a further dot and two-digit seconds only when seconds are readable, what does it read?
8.53
